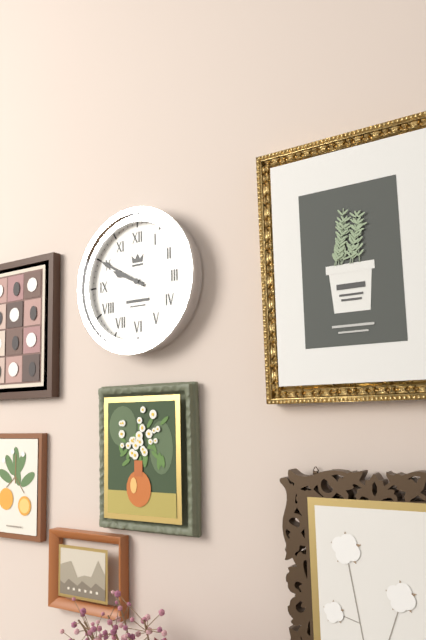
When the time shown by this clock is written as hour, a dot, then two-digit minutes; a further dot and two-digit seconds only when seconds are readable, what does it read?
9.50
